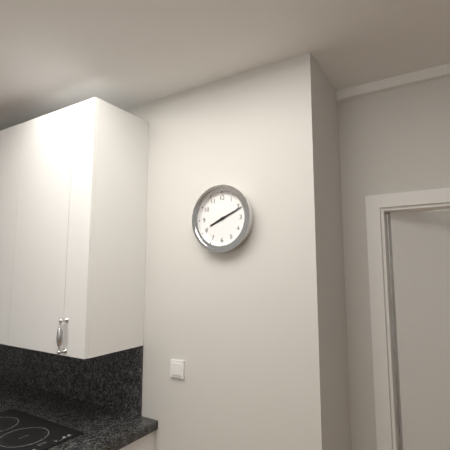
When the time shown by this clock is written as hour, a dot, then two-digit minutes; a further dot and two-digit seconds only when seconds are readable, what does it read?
8.11
